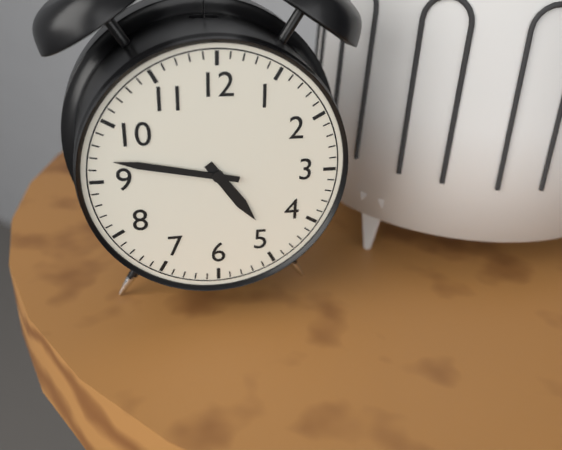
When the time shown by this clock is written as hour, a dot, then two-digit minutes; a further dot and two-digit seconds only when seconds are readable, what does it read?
4.47
